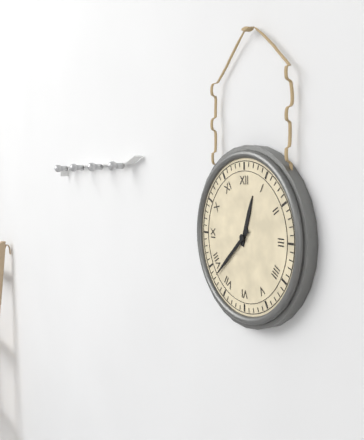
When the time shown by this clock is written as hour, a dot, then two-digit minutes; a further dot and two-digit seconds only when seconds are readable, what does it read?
12.38
